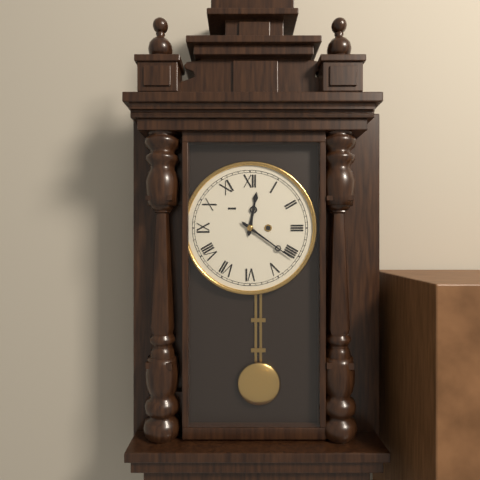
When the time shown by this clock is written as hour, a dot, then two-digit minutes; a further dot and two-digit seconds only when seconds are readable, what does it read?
12.21
